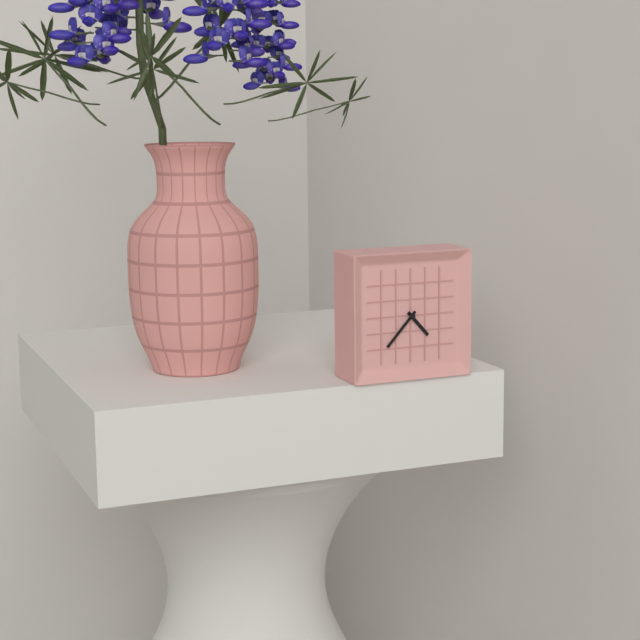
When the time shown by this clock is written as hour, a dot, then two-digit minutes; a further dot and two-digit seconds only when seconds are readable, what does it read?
4.37
